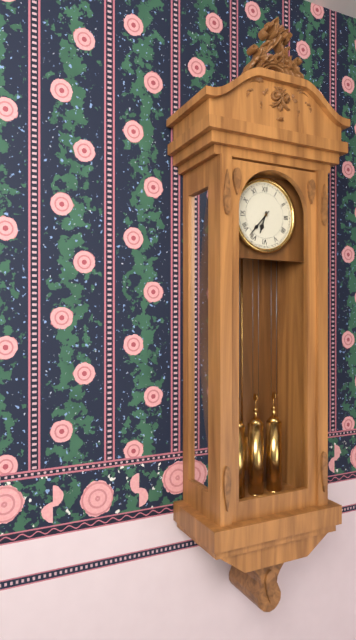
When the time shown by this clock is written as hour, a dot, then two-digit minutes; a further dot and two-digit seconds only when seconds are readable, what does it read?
6.37
